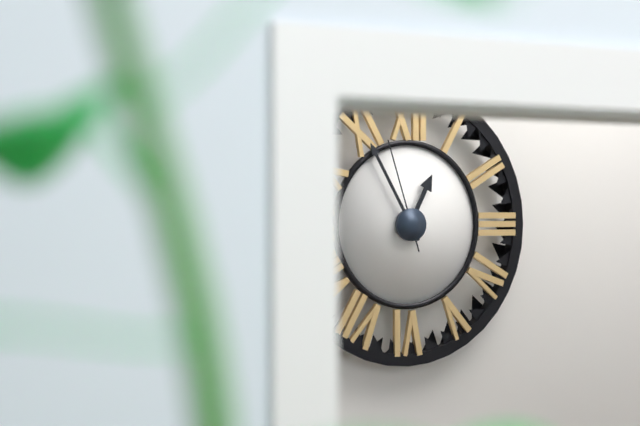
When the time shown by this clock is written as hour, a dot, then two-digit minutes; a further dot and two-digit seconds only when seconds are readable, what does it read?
12.55.57
